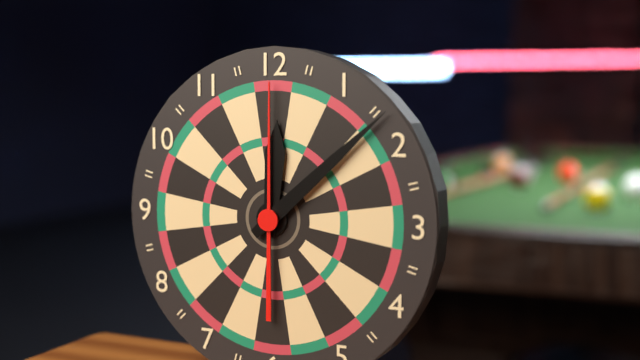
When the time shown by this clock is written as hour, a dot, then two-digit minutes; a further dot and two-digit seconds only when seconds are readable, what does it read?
12.08.00
